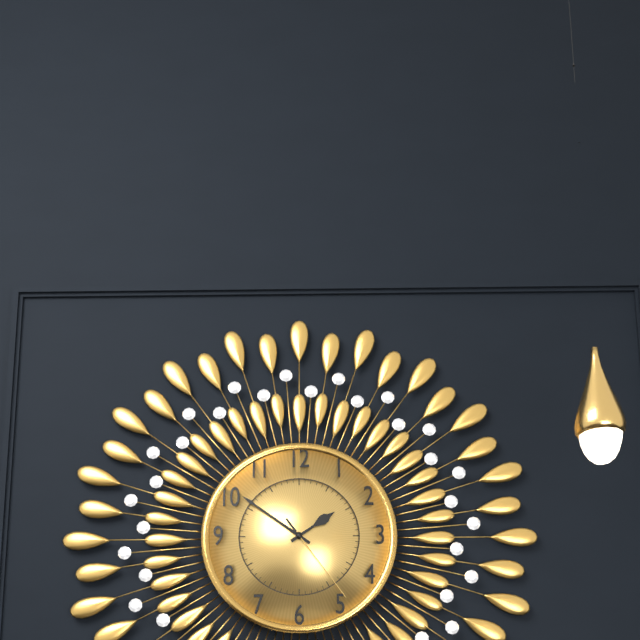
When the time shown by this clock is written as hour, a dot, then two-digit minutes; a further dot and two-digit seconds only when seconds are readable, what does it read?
1.51.24
